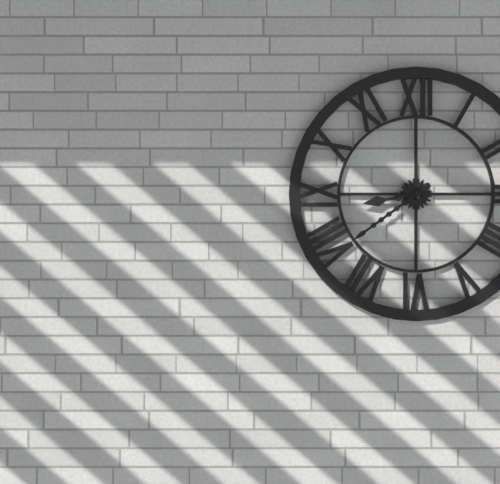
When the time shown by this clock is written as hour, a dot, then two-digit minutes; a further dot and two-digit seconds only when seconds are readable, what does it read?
8.39
